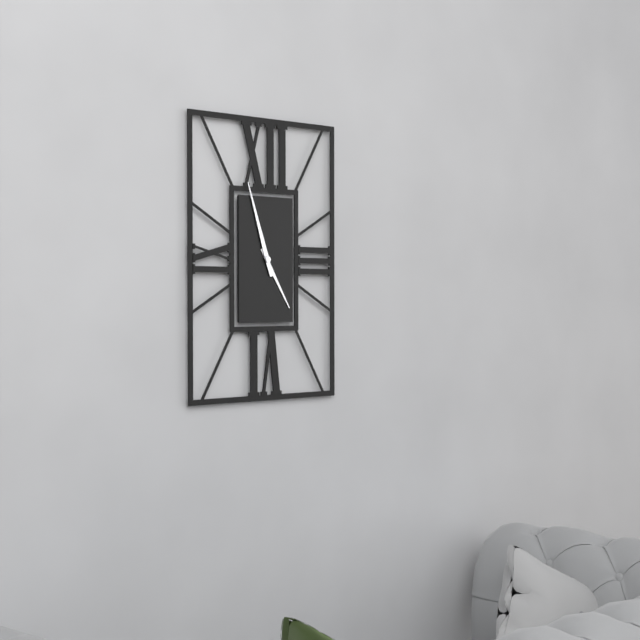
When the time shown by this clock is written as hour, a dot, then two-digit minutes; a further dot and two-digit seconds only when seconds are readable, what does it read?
4.57
